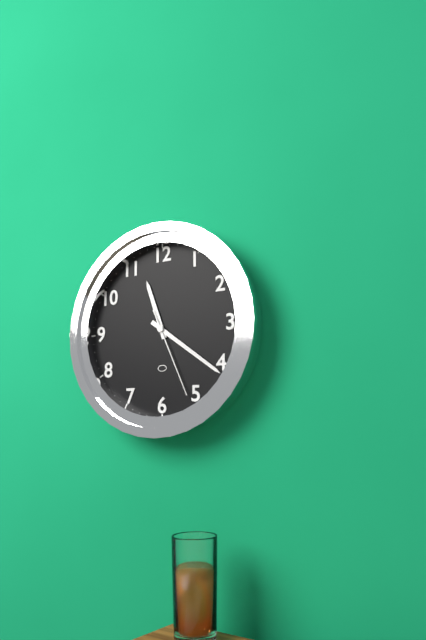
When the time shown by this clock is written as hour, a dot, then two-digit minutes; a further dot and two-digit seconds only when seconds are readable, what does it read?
11.21.26
